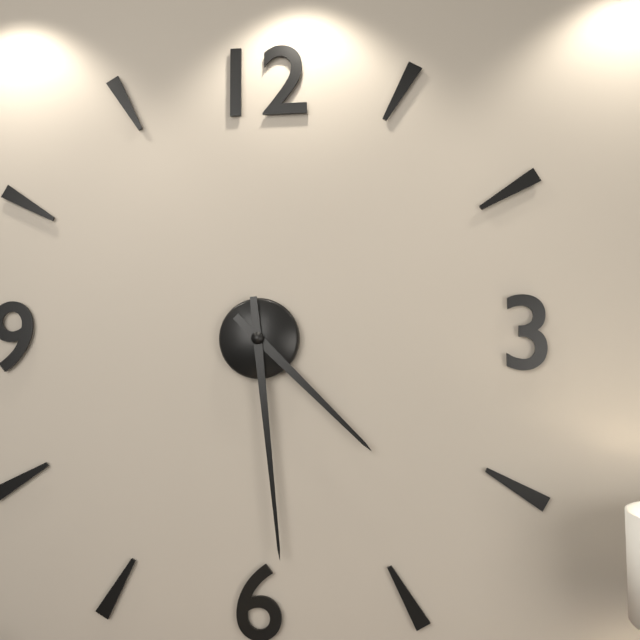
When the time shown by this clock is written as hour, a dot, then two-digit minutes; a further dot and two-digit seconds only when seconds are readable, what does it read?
4.29
